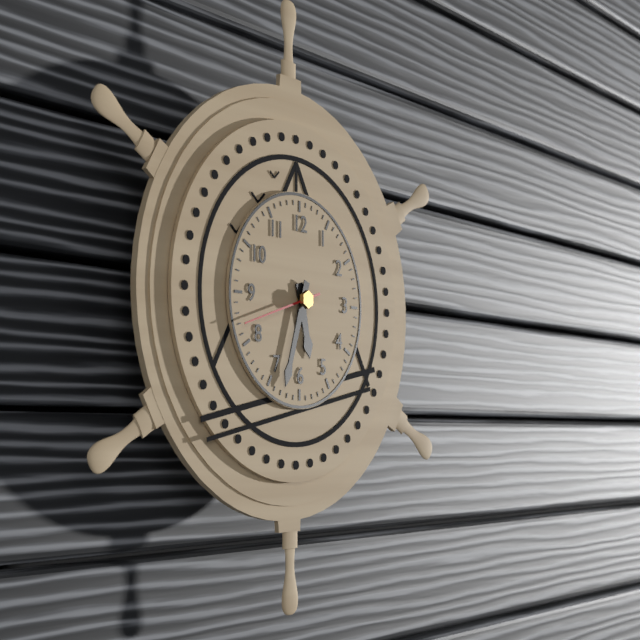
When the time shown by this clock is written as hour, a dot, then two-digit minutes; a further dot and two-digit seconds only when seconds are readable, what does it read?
5.33.42
